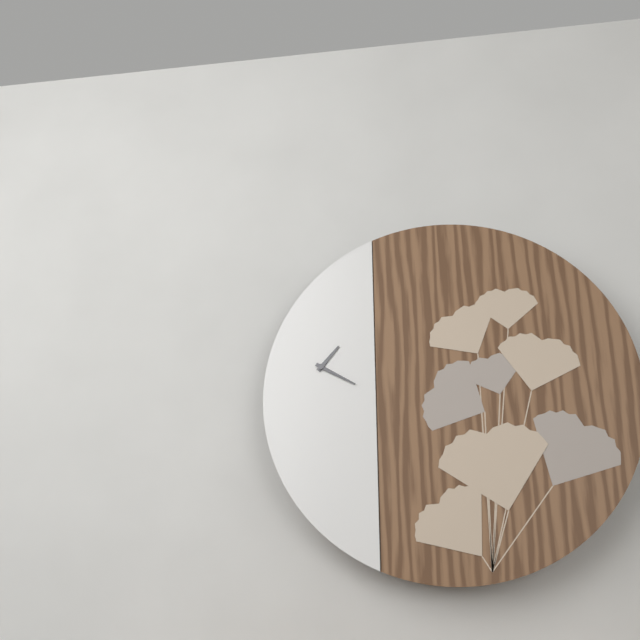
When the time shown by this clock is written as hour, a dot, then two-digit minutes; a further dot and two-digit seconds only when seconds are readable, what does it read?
1.20
